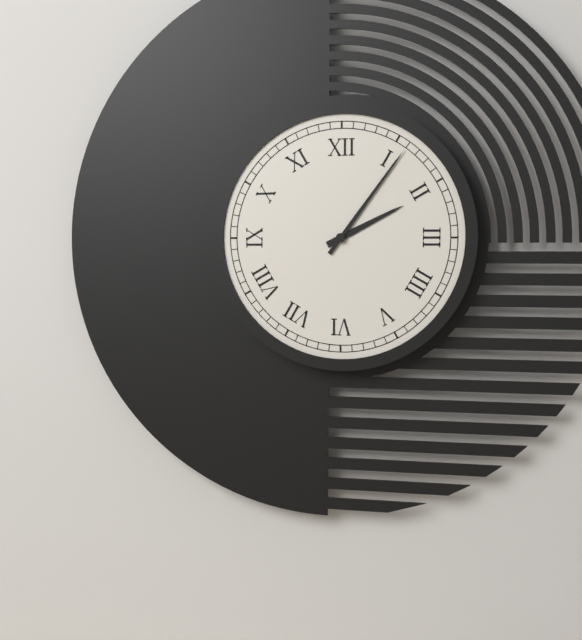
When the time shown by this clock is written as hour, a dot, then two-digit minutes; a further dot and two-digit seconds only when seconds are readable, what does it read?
2.06
